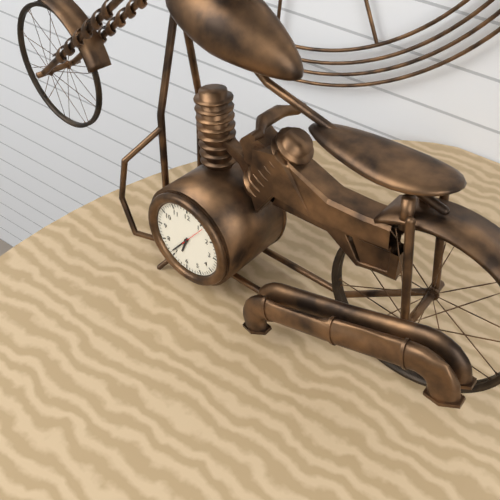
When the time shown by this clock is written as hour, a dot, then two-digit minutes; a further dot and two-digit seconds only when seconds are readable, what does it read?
6.36
